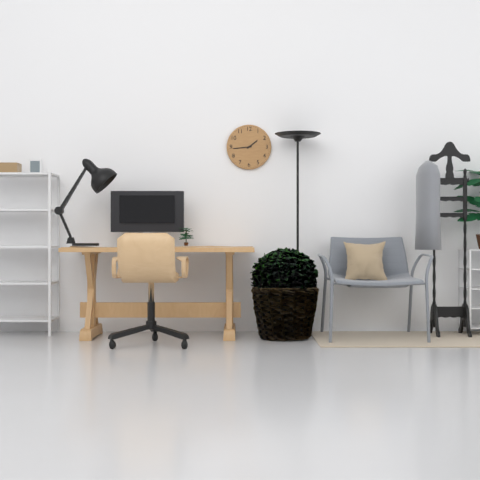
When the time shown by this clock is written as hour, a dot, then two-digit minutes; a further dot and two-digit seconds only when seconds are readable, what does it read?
1.44
